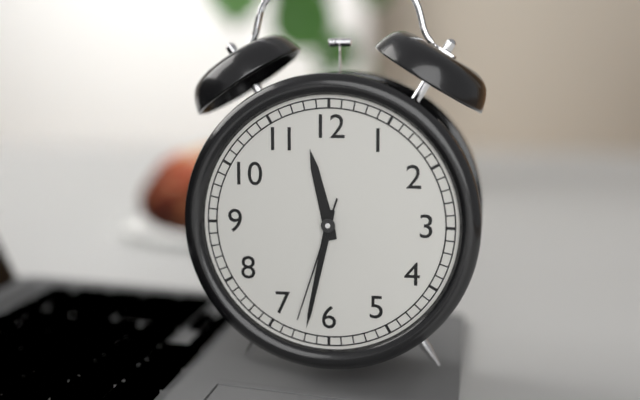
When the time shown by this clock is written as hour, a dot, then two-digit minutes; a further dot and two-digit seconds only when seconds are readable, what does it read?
11.32.33
